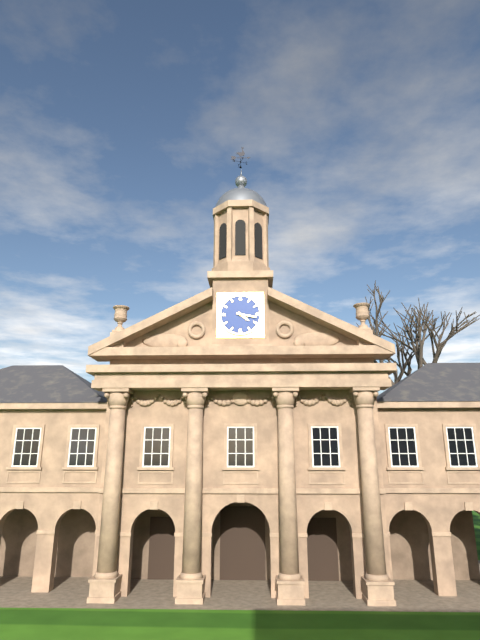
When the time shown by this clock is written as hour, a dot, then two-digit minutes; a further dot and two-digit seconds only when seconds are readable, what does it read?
4.17
